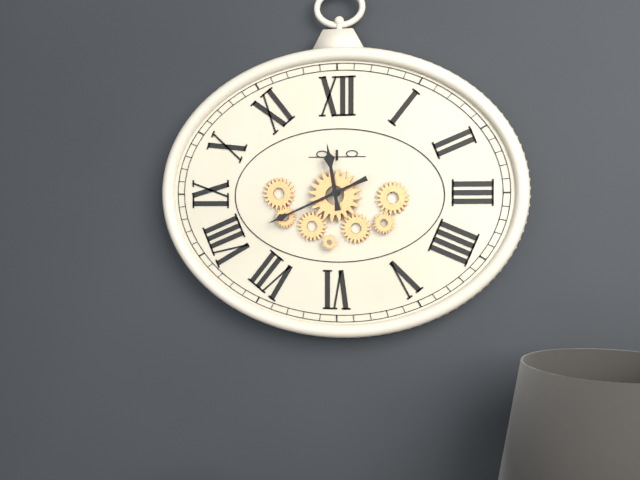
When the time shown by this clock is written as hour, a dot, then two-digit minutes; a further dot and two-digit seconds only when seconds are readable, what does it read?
11.41
